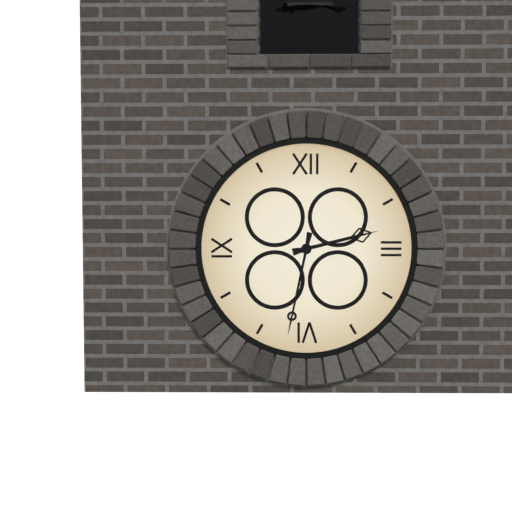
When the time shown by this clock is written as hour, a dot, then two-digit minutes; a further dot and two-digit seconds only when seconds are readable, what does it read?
2.32
